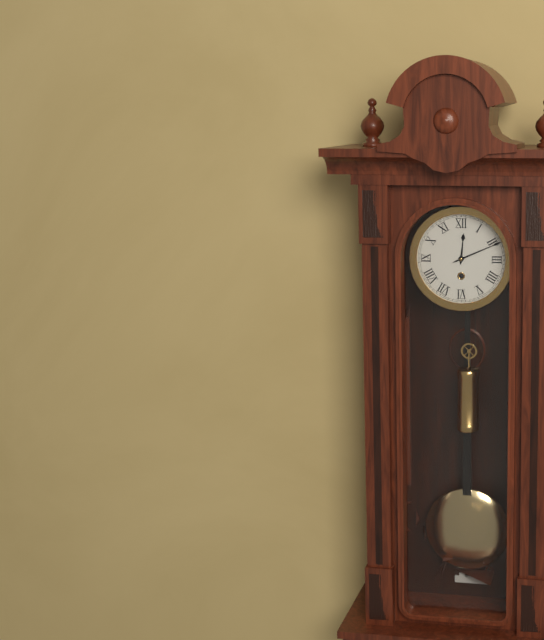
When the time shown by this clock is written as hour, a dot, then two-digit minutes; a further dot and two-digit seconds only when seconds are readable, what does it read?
12.11
